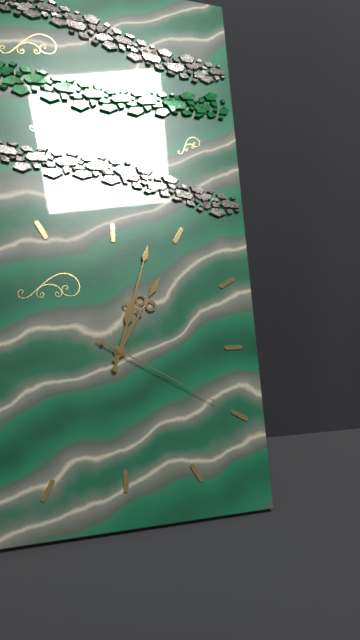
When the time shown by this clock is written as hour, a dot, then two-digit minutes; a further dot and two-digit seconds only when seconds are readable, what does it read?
1.03.20
